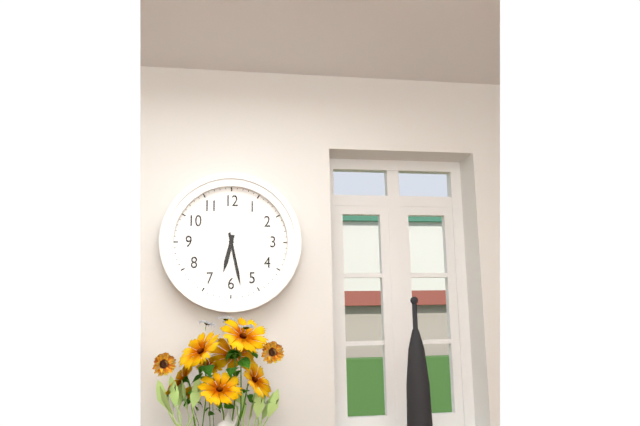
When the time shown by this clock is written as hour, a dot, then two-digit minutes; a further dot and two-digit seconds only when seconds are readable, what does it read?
6.28
